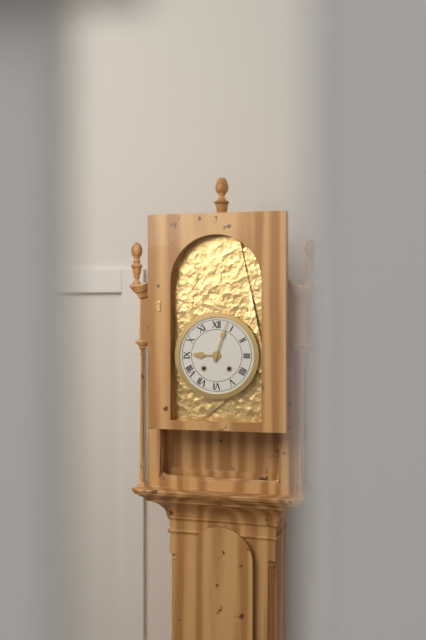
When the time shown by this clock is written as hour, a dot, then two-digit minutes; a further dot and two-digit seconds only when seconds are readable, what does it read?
9.03
